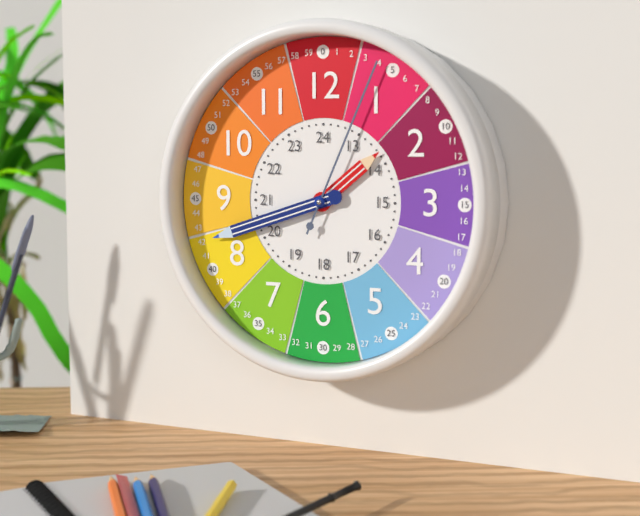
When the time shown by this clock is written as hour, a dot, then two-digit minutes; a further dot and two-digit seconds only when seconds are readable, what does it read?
1.42.04
